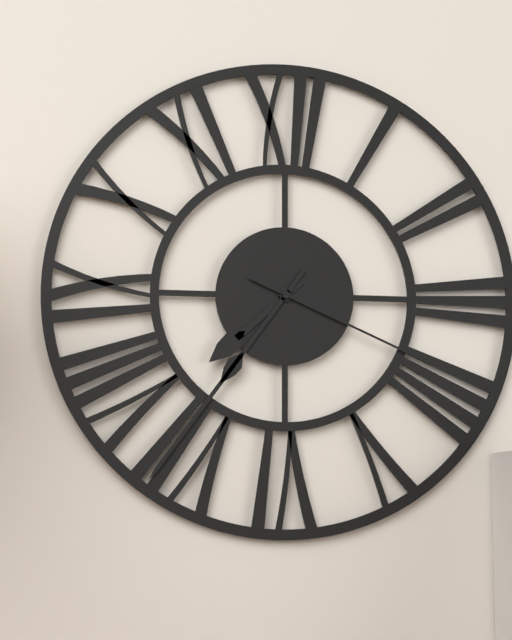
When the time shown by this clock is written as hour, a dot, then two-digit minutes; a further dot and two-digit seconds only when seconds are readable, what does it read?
7.36.19
